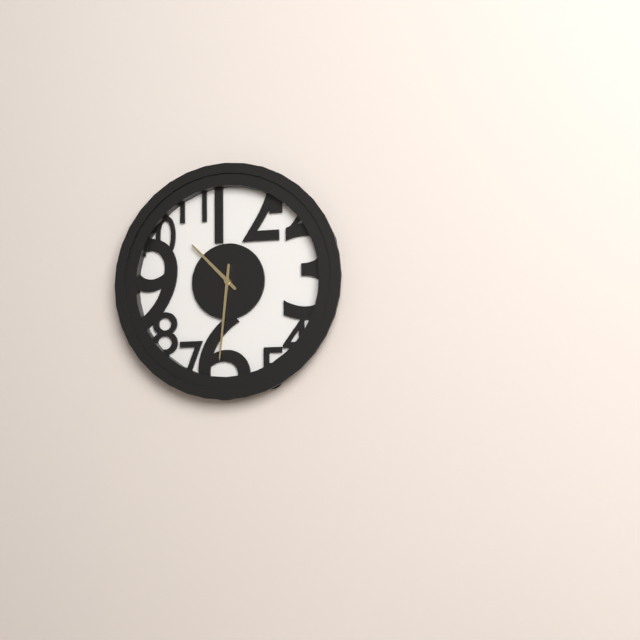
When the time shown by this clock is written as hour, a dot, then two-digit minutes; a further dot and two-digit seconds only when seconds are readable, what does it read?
10.31
